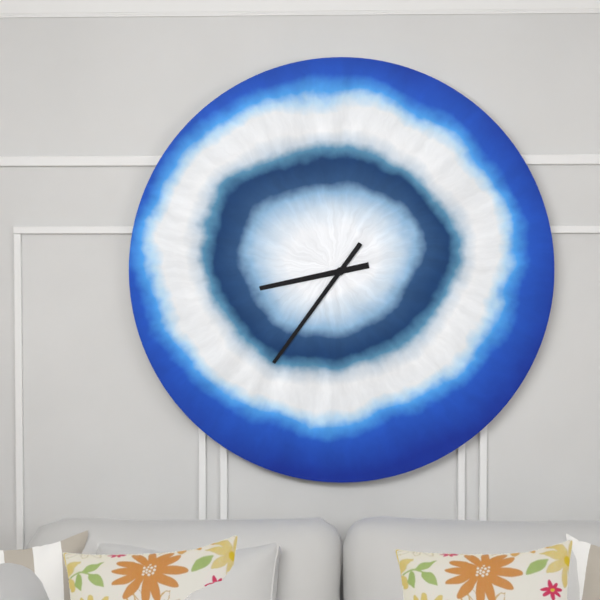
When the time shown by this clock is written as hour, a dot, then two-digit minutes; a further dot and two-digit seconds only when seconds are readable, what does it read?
8.36
